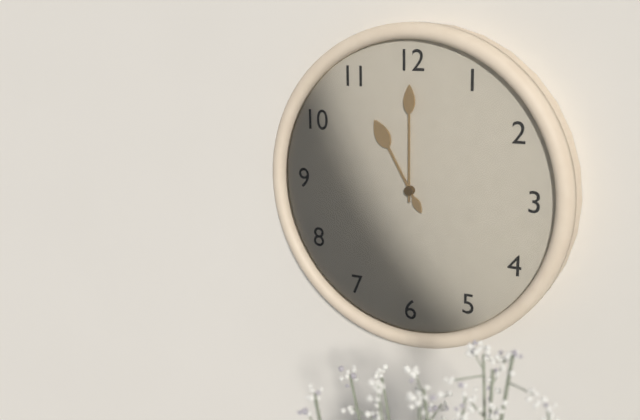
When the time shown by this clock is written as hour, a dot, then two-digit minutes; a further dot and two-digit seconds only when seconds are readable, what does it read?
11.00
